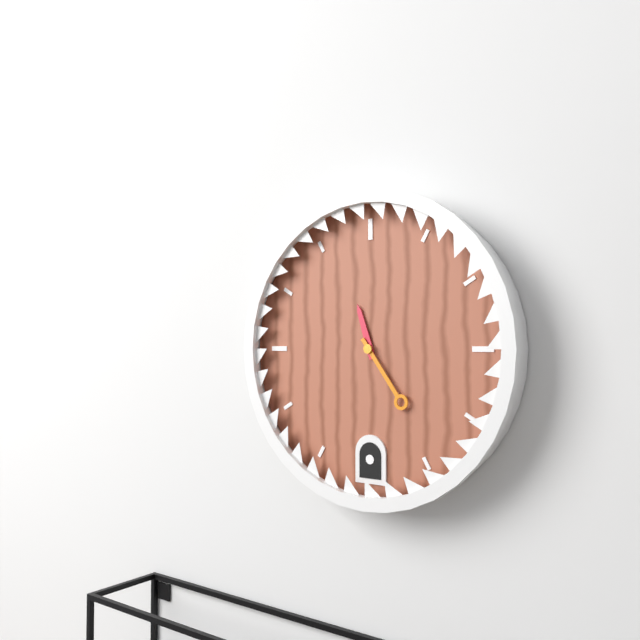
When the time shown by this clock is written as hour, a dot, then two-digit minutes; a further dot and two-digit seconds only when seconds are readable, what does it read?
11.24
